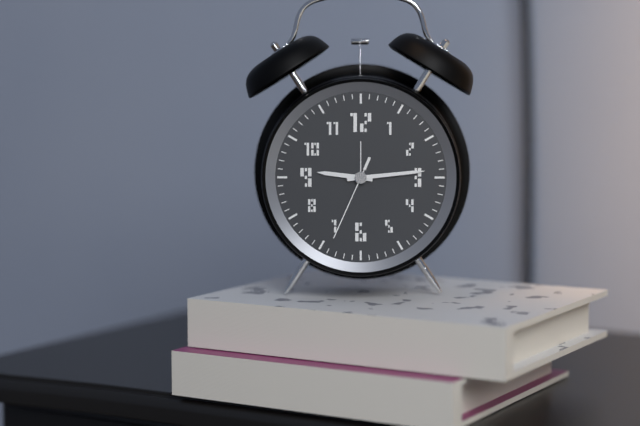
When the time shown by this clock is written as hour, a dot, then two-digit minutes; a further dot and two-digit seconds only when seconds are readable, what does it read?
9.14.34
